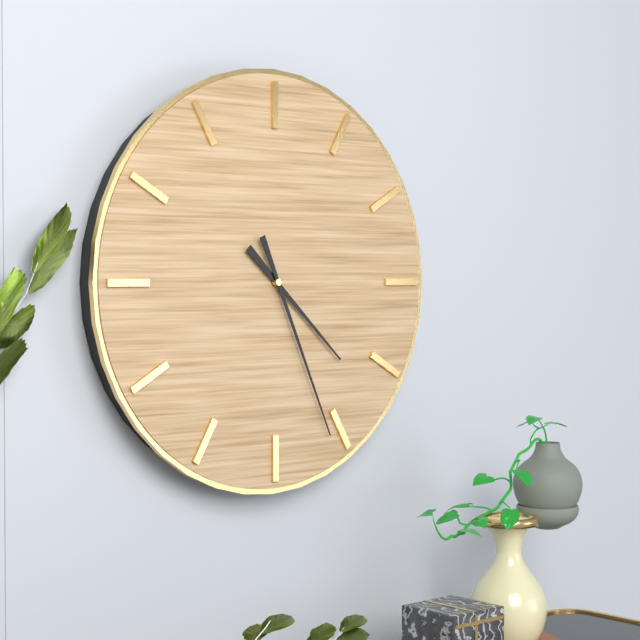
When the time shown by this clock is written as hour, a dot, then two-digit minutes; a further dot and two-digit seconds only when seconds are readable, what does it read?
4.26
